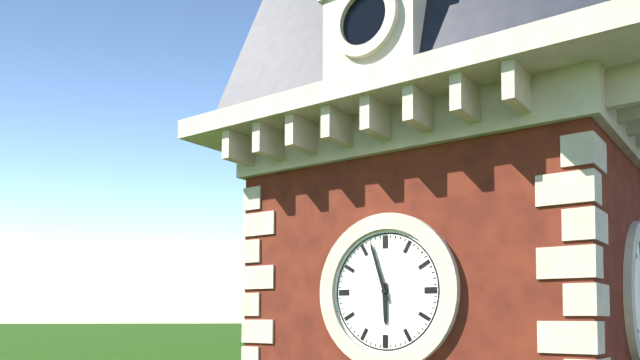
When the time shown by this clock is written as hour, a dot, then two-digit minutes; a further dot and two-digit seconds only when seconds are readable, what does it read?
5.57
